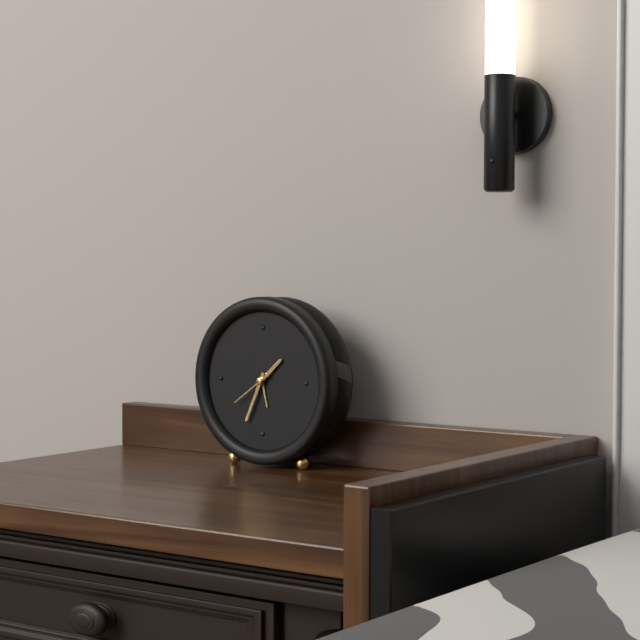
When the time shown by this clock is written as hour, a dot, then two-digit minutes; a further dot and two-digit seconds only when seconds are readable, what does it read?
1.34
